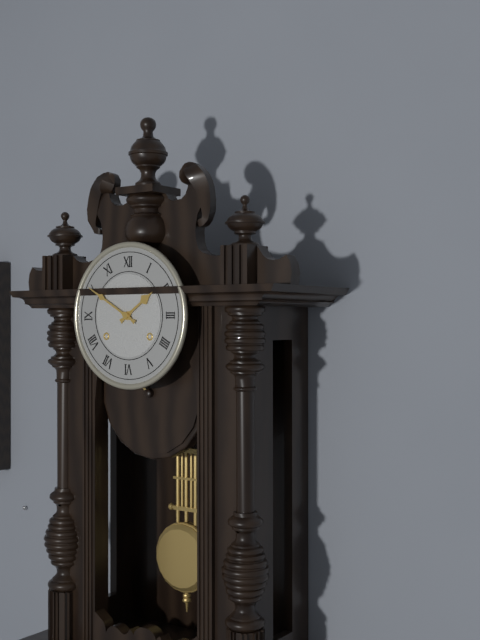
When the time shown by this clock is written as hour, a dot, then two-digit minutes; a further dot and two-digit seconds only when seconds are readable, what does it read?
1.50
